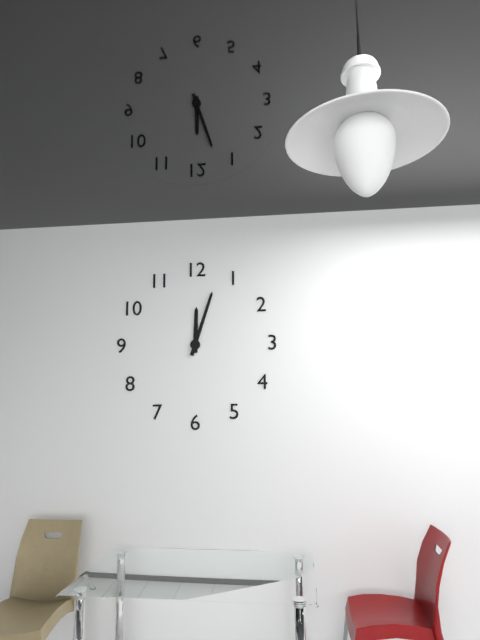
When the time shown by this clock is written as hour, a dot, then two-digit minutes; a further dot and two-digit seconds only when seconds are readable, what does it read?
12.03
